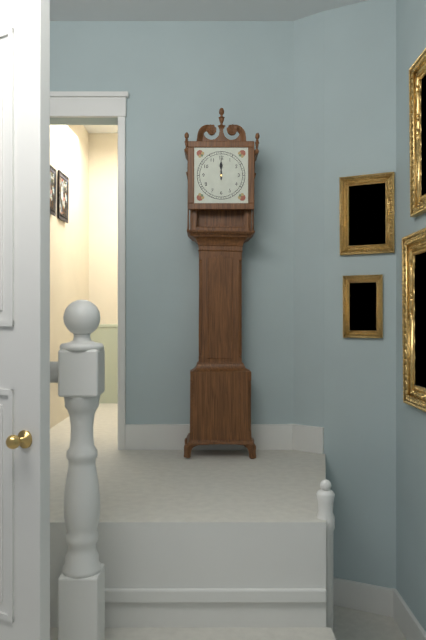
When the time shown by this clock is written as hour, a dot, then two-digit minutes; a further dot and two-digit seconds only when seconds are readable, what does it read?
12.00
